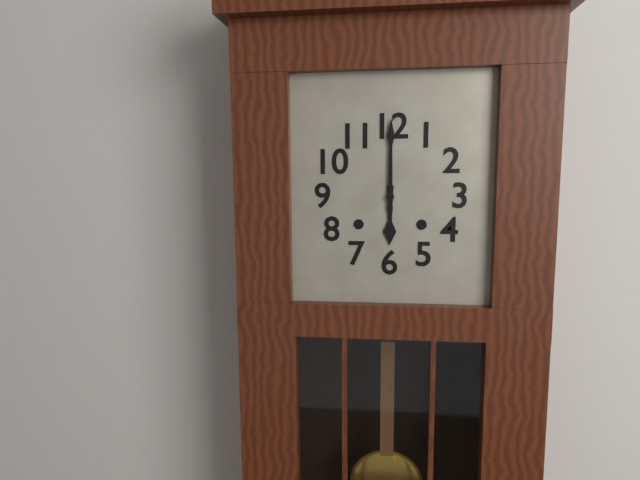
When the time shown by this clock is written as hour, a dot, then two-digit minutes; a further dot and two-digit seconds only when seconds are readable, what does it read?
6.00
